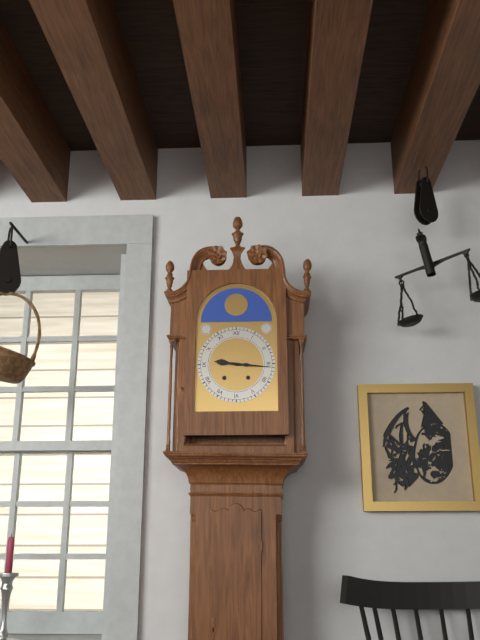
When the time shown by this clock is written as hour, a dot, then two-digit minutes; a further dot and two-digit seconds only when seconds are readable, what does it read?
9.16
